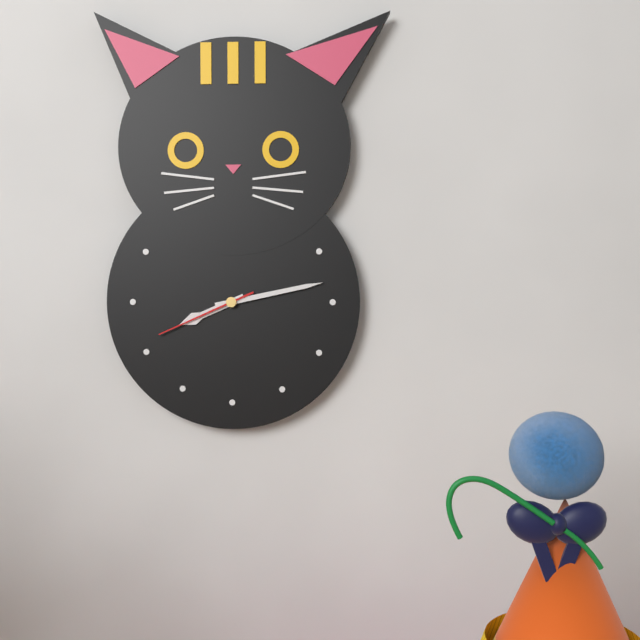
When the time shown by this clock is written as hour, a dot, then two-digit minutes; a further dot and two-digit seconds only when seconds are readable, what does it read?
8.13.41
